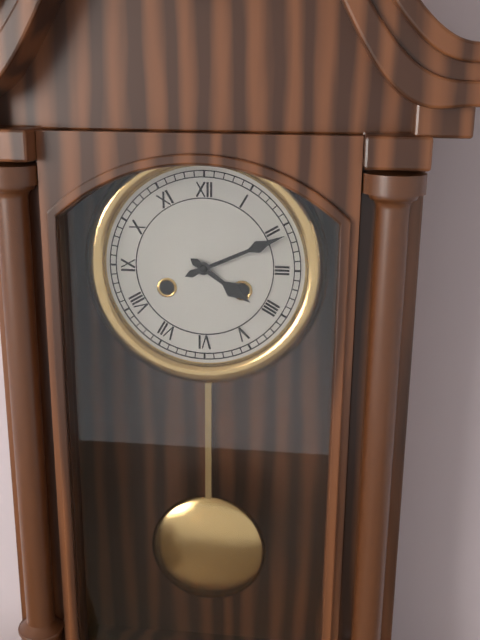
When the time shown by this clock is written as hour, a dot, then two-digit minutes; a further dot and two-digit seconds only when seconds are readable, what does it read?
4.11
